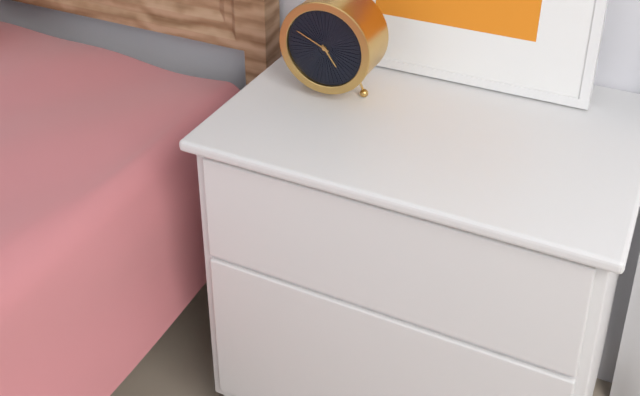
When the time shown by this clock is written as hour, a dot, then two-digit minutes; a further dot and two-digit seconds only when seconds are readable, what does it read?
4.49
